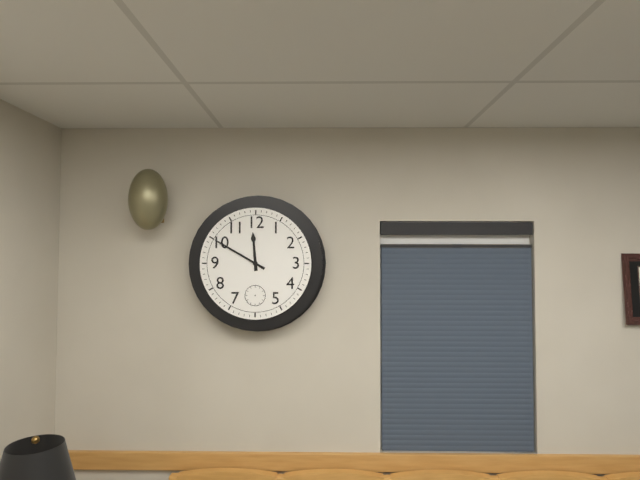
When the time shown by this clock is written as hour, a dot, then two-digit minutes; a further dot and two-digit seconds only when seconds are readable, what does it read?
11.50
